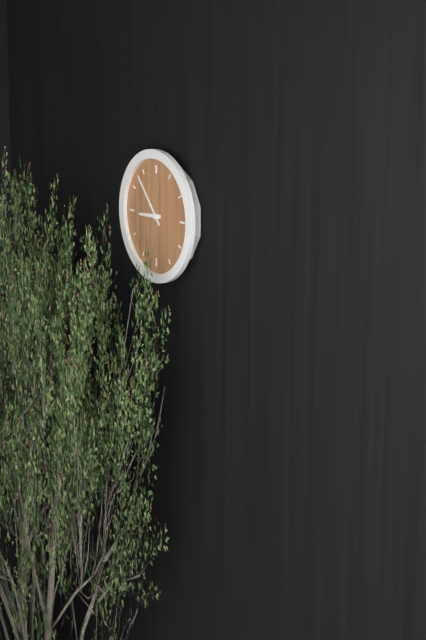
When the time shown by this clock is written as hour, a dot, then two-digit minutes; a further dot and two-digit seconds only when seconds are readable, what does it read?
8.53
